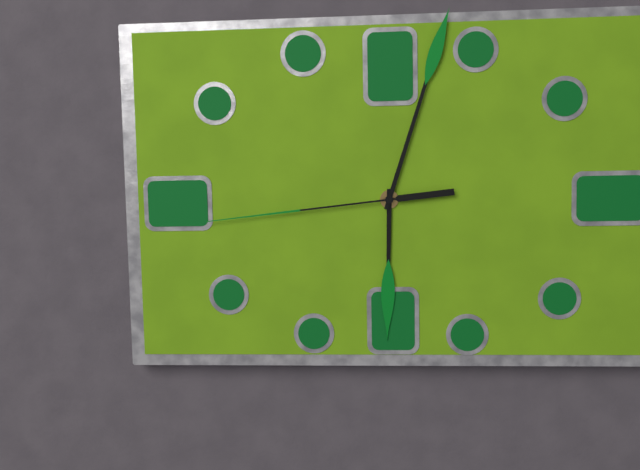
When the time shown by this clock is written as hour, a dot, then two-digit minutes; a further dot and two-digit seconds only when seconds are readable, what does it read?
6.03.44
